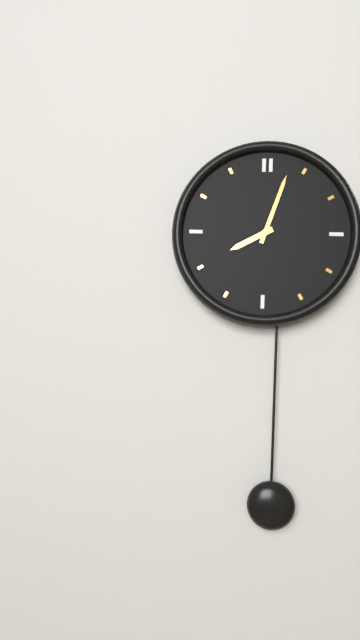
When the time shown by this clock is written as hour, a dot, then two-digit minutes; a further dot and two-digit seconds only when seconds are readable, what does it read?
8.03
